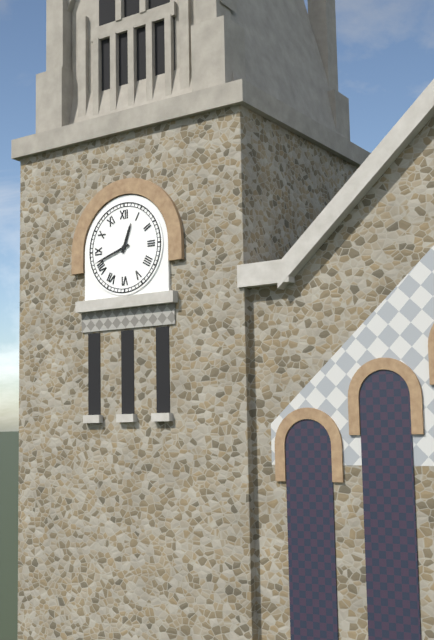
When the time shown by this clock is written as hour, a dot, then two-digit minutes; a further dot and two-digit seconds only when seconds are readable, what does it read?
12.42
